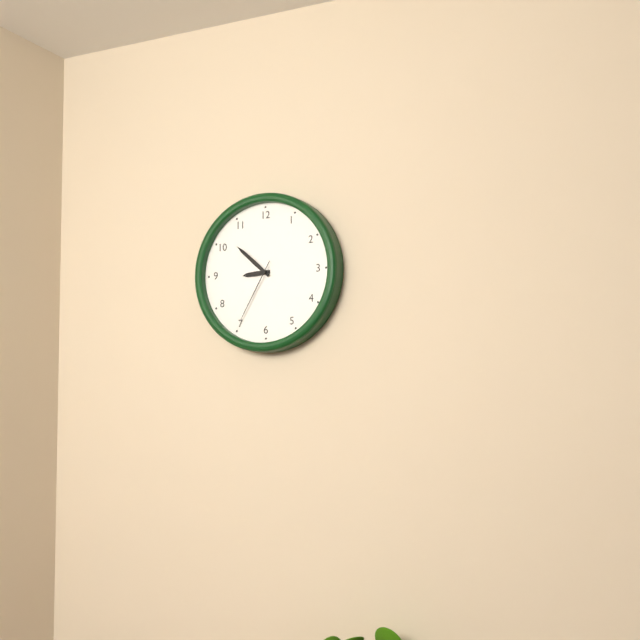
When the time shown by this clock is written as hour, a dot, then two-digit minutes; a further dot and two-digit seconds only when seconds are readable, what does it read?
8.52.35
